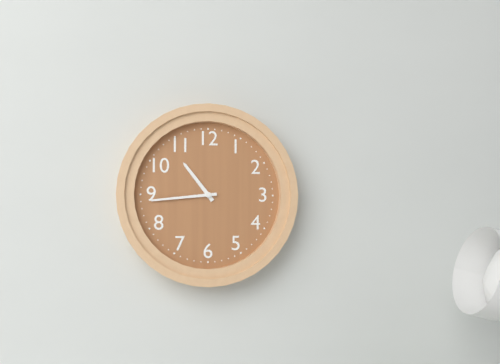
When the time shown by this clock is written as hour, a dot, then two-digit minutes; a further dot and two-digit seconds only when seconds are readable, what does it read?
10.44
